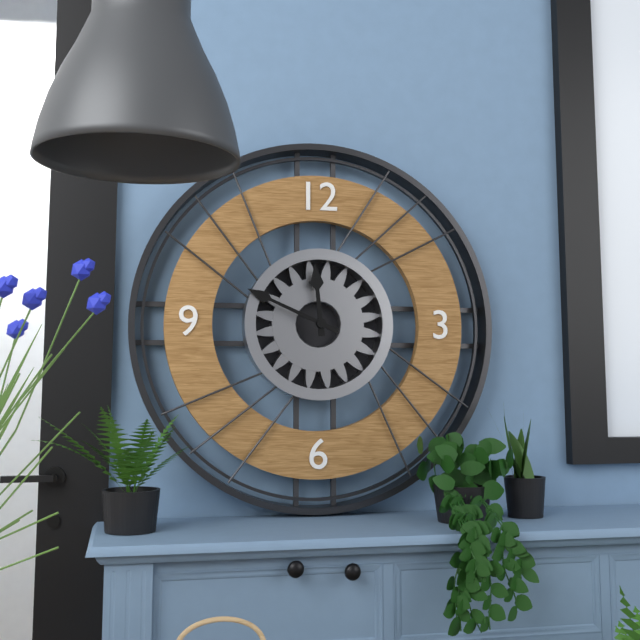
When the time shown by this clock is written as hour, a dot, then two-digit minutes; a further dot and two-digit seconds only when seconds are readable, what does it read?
11.49
